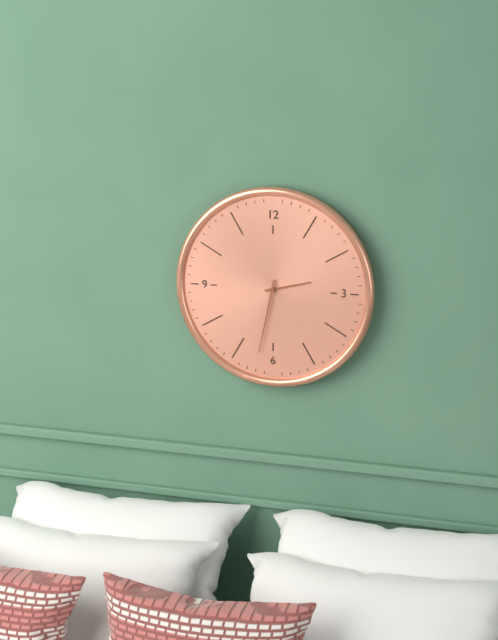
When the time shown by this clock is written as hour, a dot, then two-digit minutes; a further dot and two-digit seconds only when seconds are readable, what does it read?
2.32
